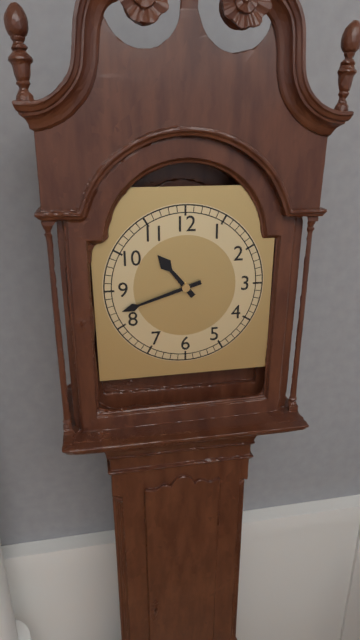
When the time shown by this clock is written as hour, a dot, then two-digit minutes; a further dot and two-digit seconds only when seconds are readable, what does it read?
10.42
